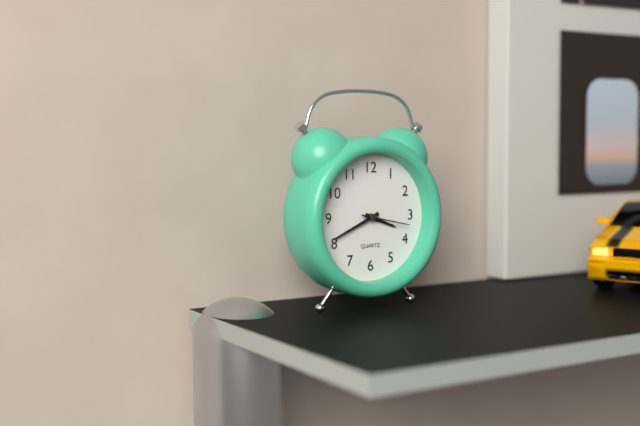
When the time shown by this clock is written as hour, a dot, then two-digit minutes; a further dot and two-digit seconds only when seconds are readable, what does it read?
3.41
